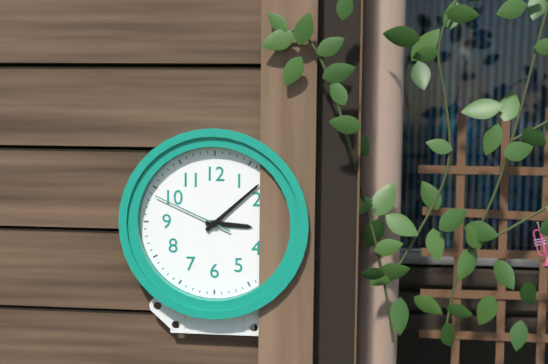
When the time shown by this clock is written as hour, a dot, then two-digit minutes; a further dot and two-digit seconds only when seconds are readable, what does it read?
3.08.49
